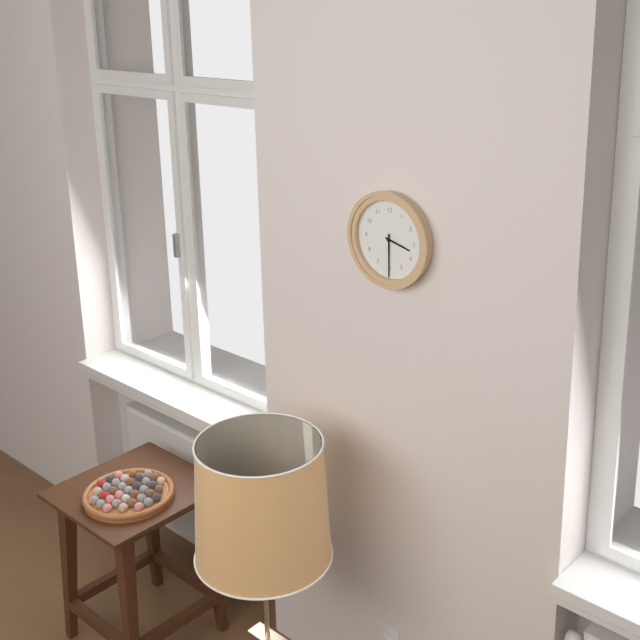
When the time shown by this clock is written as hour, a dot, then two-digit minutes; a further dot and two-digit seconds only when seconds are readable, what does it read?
3.30
